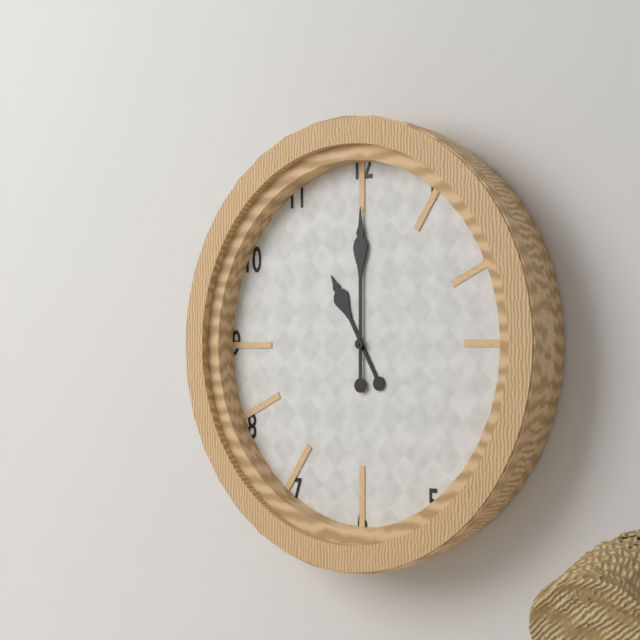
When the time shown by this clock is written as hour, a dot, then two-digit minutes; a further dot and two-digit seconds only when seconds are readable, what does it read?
11.00
